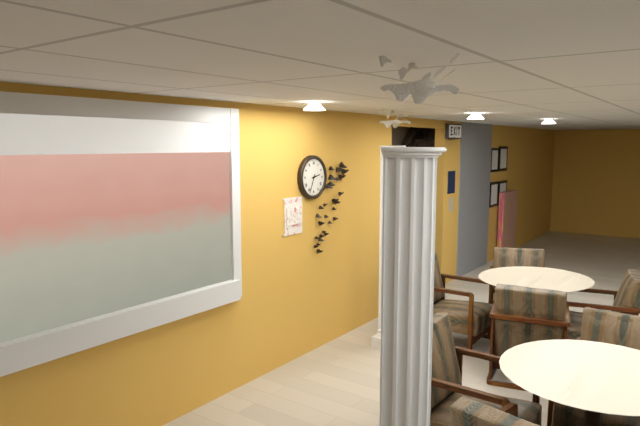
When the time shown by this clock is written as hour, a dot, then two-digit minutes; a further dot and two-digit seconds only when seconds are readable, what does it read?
2.34
